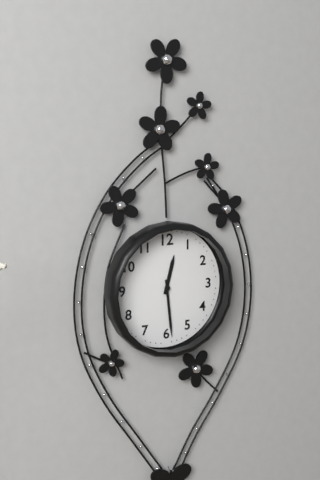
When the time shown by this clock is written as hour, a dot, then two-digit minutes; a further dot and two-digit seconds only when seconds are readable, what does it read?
12.29
